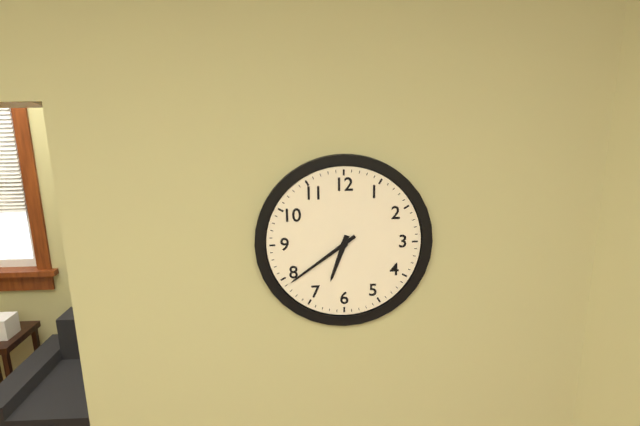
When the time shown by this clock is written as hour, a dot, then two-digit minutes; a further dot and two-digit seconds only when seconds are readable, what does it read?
6.39
